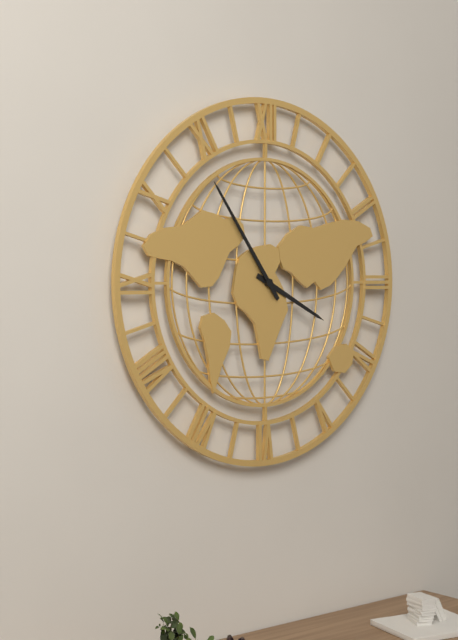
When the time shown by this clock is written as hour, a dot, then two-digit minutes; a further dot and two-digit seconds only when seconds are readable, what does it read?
3.54
